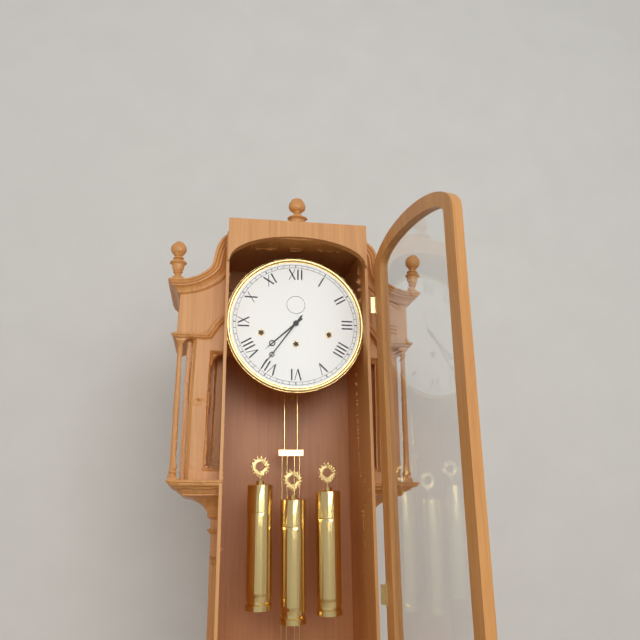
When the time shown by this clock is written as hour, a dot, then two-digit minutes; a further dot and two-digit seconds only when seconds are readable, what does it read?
7.36
